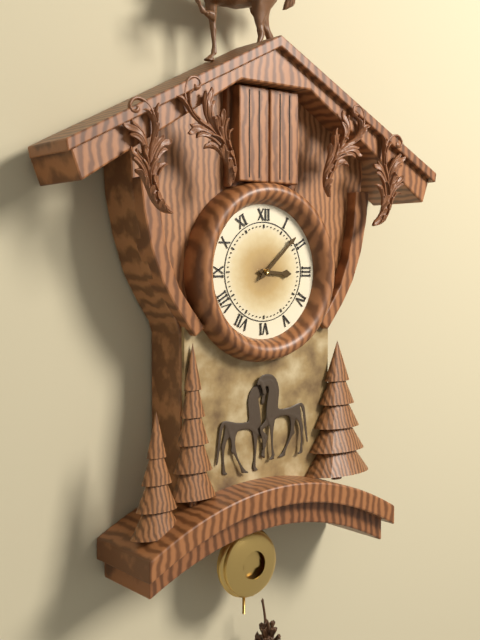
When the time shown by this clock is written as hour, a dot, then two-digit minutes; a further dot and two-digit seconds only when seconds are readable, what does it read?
3.08
